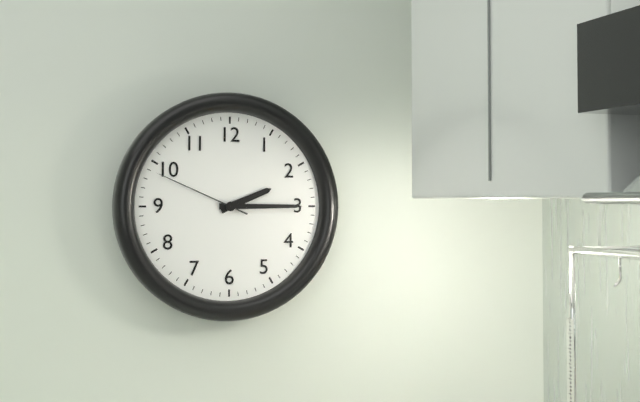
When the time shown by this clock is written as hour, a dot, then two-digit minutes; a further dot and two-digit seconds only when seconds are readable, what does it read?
2.15.49
